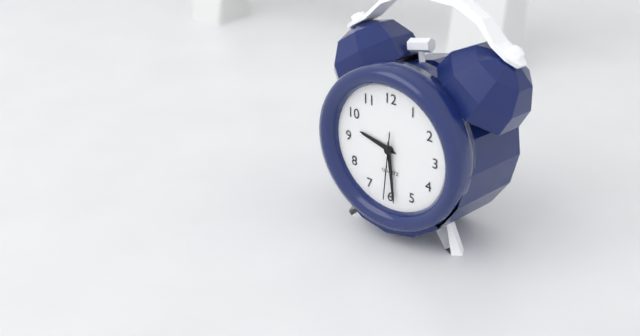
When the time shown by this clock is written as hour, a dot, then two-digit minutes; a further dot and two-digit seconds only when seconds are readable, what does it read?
9.29.31
